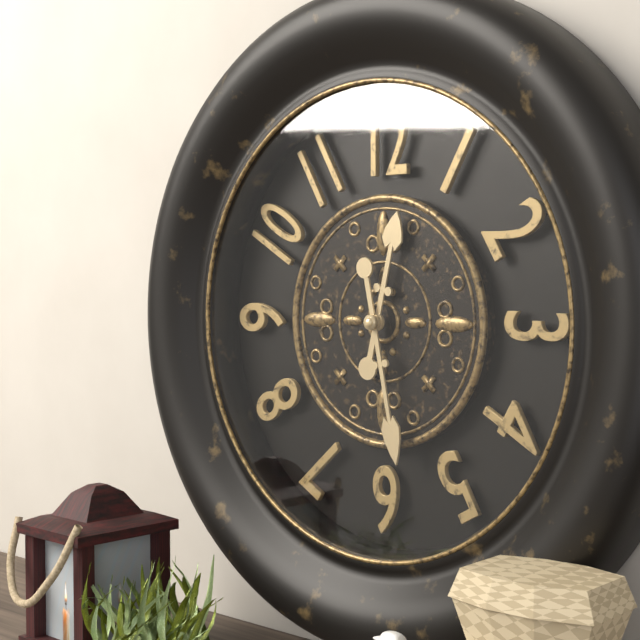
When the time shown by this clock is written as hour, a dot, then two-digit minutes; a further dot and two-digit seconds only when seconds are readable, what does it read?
12.28
